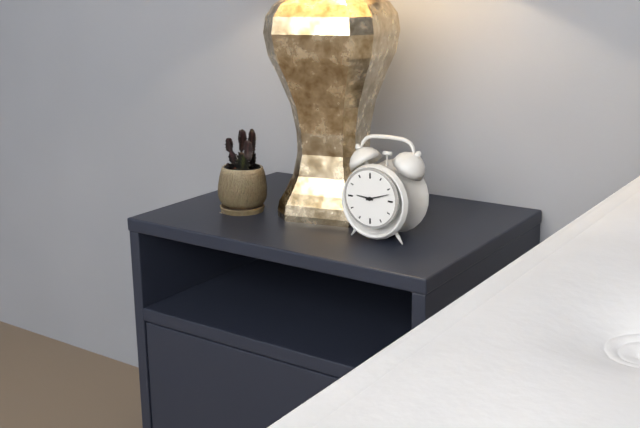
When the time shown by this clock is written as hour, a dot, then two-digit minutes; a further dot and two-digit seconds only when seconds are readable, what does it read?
9.12
